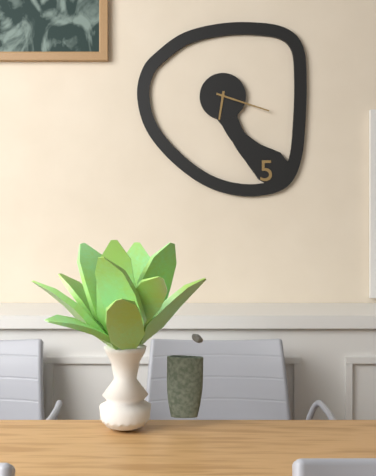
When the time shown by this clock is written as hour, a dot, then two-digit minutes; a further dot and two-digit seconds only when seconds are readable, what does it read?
6.18
